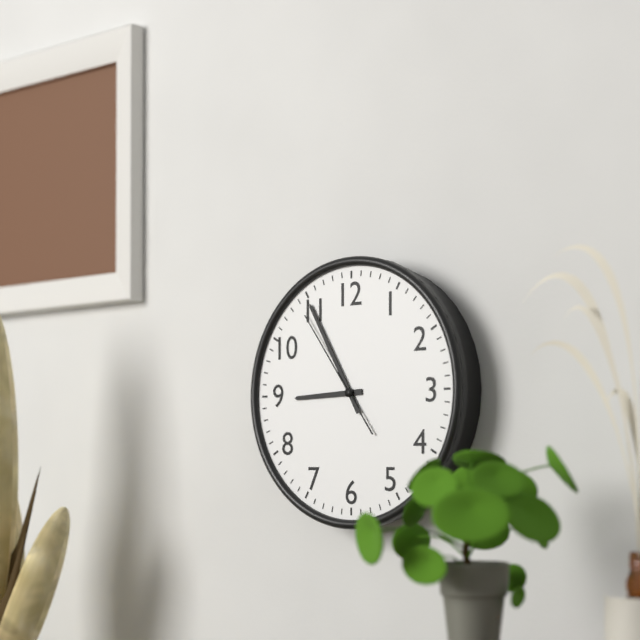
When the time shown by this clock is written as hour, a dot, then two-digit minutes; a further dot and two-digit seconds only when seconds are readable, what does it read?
8.55.54
